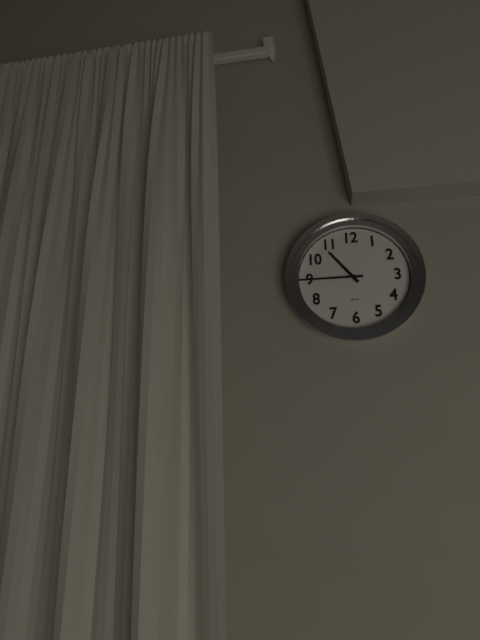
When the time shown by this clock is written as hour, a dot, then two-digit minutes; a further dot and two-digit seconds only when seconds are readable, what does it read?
10.45
